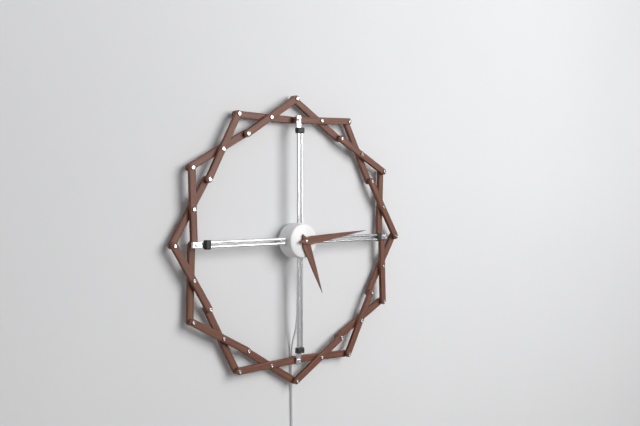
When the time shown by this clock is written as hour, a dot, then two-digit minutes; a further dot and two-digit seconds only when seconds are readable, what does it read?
5.14
